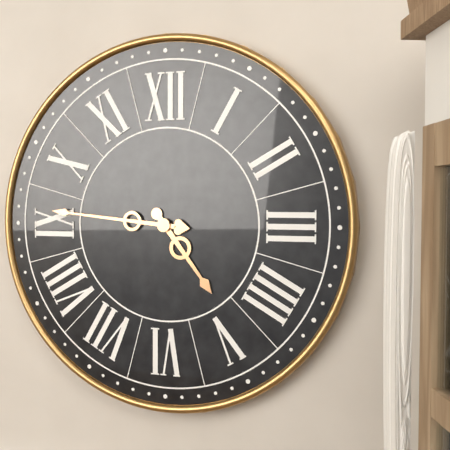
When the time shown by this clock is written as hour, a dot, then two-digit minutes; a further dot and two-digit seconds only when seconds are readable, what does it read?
4.46
